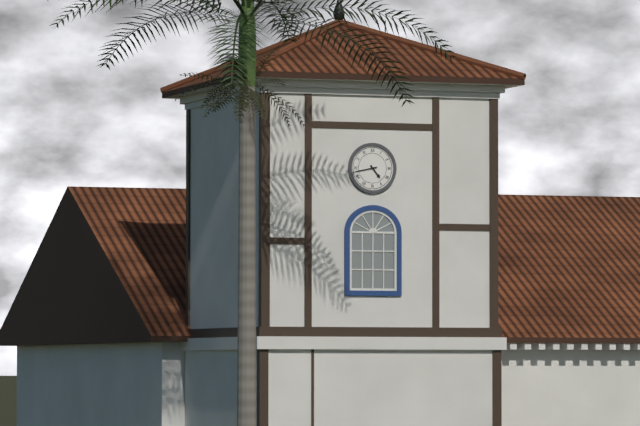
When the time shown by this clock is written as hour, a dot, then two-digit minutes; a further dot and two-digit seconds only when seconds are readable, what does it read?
4.43
